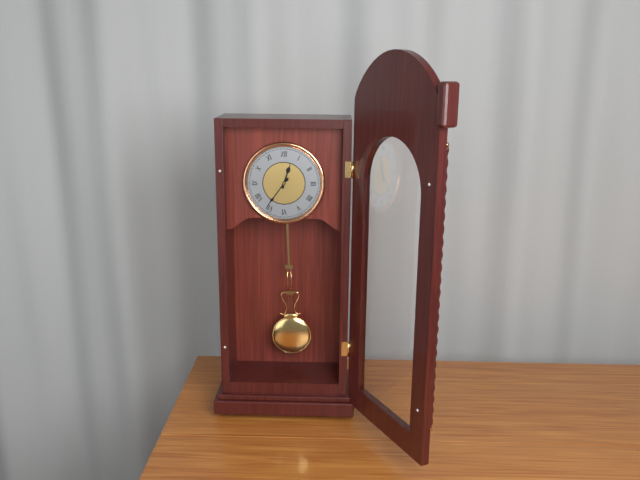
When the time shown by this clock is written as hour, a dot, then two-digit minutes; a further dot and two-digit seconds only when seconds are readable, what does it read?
12.36
